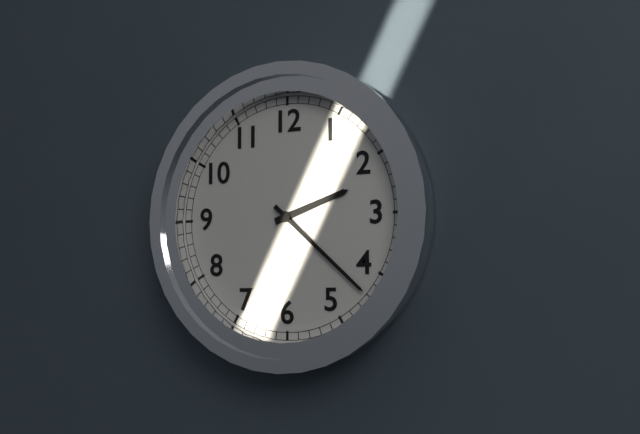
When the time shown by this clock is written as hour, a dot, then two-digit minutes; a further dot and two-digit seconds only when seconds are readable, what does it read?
2.22
